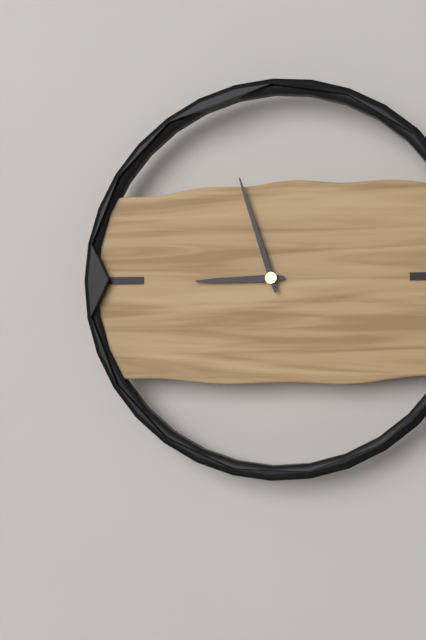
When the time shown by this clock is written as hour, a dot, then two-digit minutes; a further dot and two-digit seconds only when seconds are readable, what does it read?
8.57
